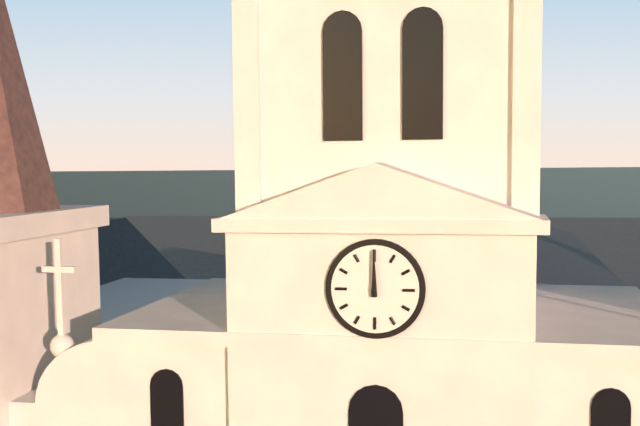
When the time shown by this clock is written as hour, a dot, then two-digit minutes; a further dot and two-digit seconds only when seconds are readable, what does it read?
12.00
